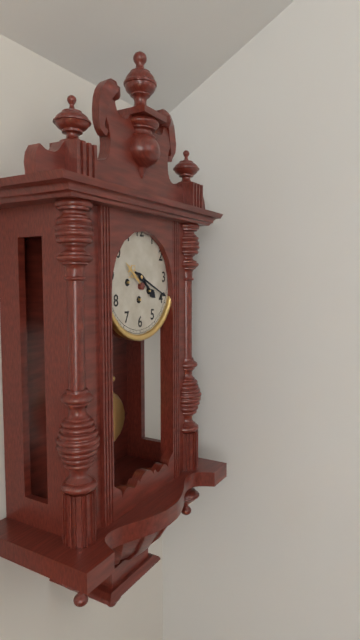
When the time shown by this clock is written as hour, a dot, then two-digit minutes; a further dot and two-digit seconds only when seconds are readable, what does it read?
4.19
